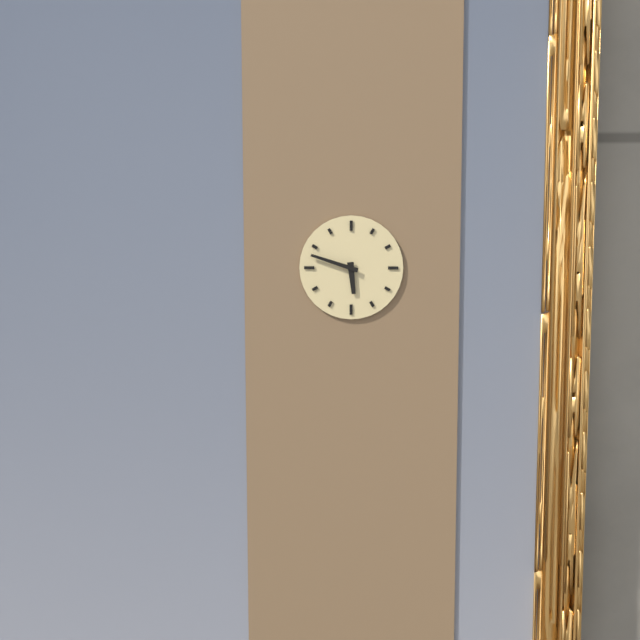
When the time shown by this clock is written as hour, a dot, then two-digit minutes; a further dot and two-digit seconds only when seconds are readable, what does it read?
5.48
